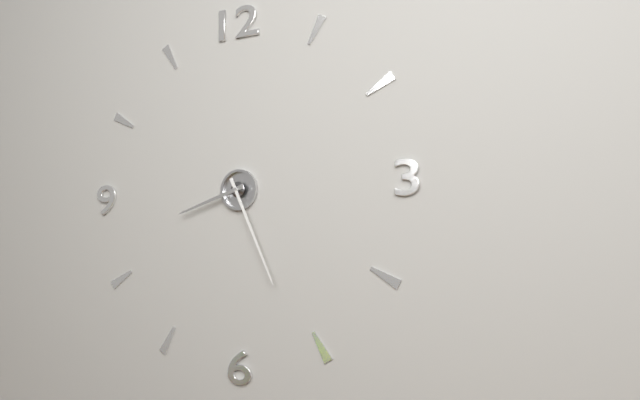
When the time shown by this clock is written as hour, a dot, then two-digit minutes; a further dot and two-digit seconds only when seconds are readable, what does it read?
8.26
